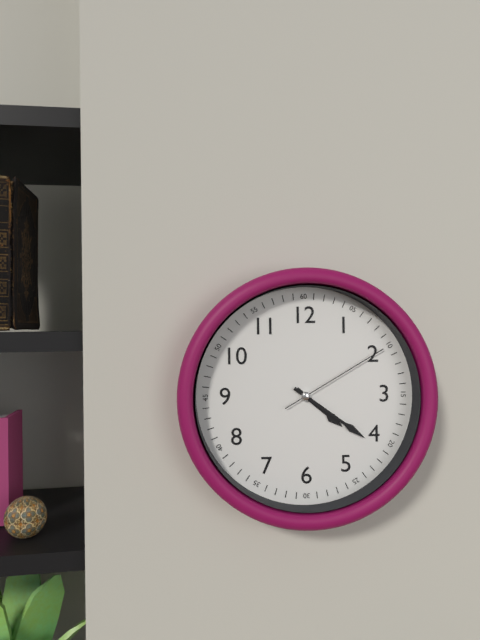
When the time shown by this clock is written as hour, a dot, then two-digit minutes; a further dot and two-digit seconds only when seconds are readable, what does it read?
4.21.10
